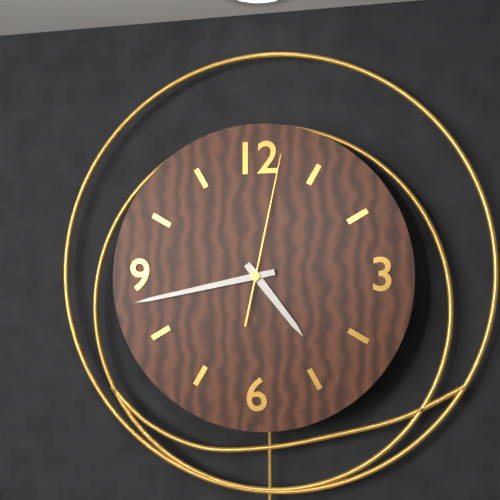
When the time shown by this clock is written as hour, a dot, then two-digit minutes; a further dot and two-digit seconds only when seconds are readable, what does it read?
4.43.02
